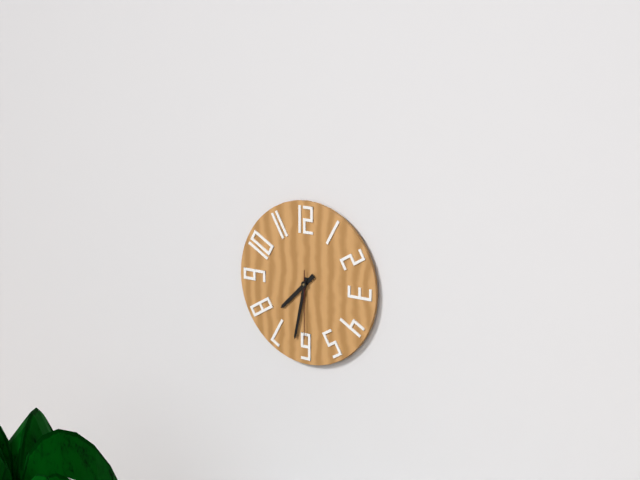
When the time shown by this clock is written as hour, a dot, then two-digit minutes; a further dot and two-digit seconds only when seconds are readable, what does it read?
7.32.30
